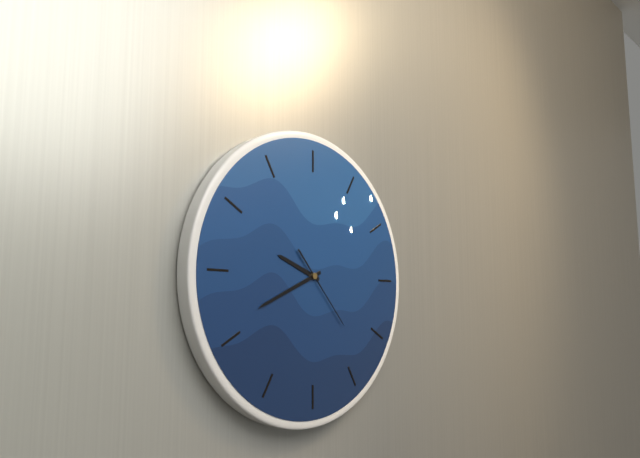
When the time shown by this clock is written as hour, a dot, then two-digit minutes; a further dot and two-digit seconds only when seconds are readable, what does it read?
9.41.23
